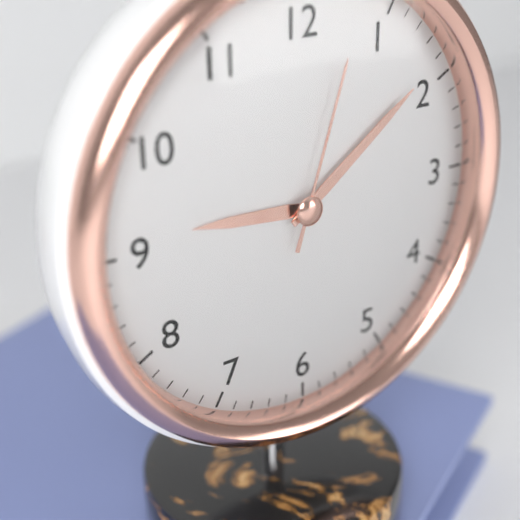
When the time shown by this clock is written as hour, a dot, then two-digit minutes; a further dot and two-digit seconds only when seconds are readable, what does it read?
9.09.03
